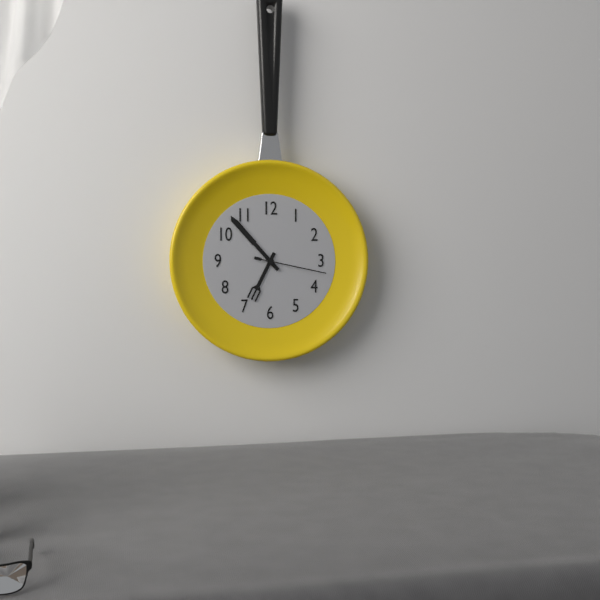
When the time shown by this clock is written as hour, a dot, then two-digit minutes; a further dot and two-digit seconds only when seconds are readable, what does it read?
6.53.17
